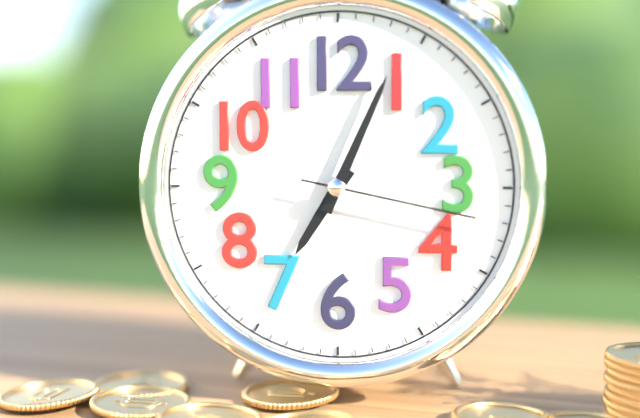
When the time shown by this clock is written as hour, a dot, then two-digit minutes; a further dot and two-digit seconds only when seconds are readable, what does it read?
7.04.17
